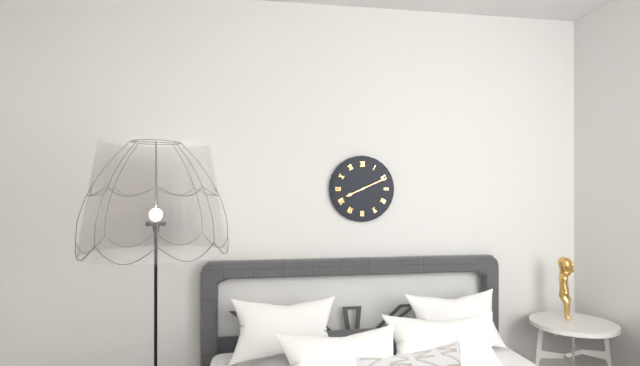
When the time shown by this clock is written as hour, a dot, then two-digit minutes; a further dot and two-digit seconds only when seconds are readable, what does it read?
8.11
